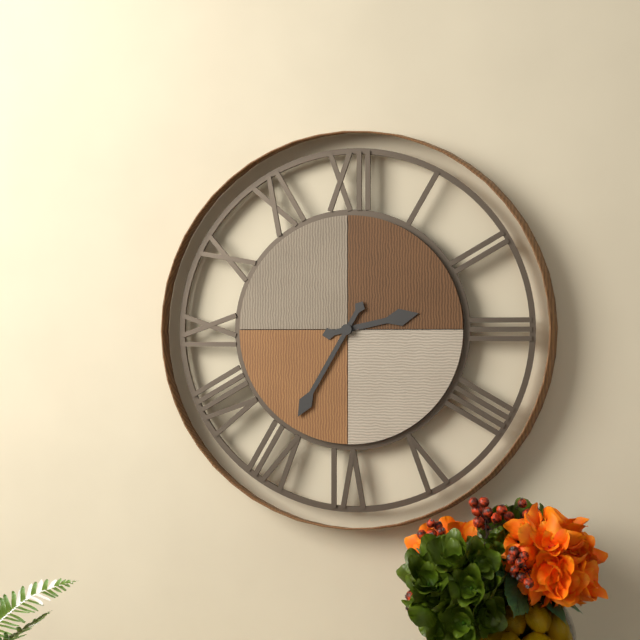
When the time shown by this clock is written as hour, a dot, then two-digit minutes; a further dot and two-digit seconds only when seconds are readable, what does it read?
2.35
